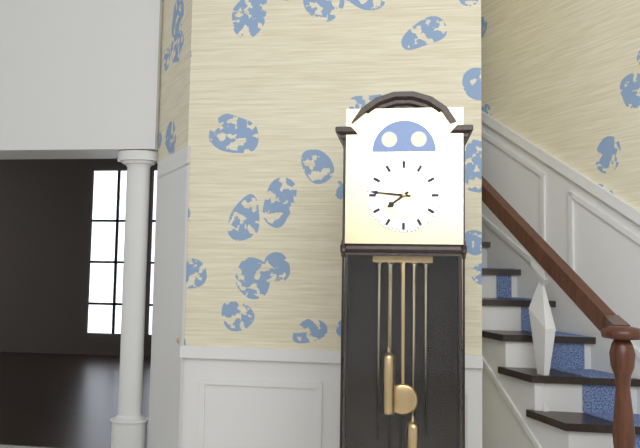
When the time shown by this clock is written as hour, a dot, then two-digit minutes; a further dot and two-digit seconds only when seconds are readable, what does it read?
7.46
